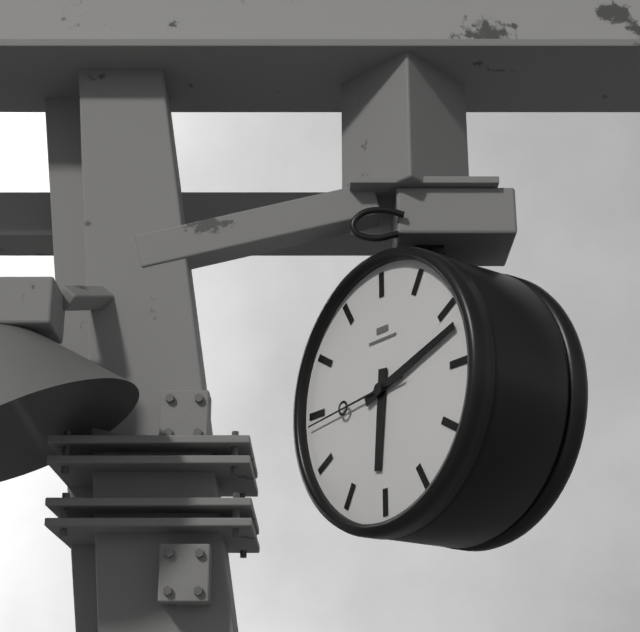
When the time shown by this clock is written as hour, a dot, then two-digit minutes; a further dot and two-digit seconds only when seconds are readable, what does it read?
6.12.44
